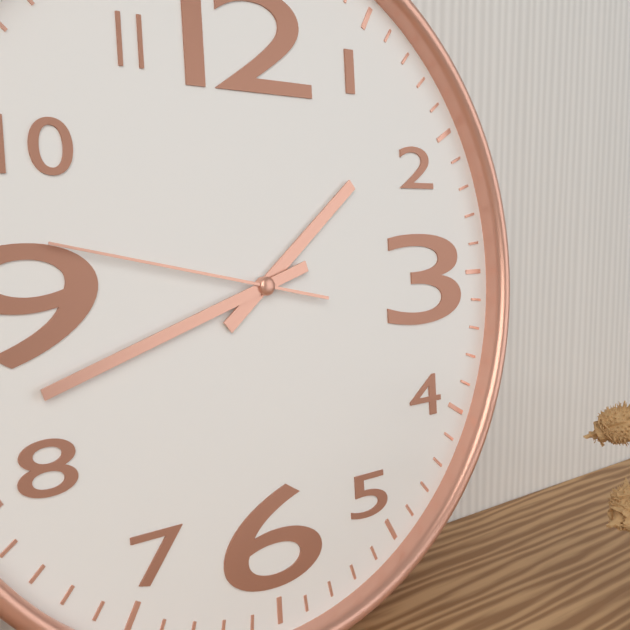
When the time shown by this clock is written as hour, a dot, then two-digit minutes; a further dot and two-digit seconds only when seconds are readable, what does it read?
1.42.47
